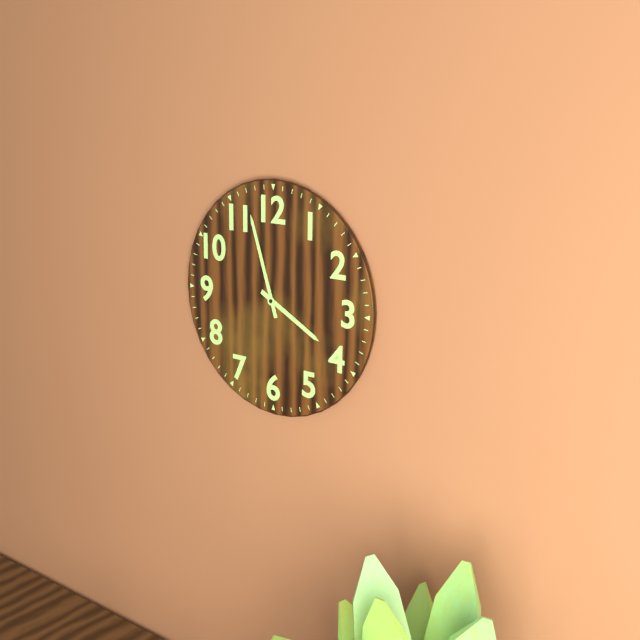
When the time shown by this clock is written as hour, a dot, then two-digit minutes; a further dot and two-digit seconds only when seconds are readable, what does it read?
3.57
